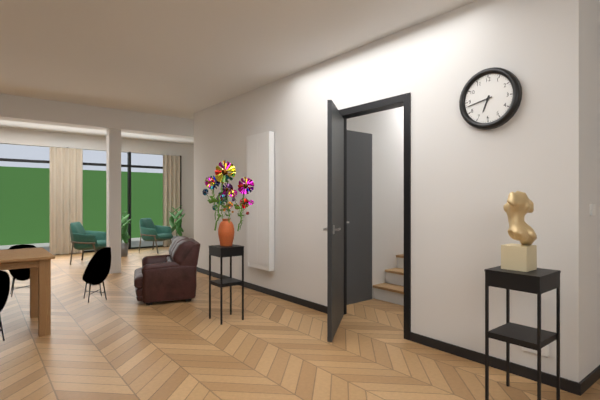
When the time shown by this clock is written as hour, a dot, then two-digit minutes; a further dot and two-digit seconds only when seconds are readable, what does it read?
6.43
